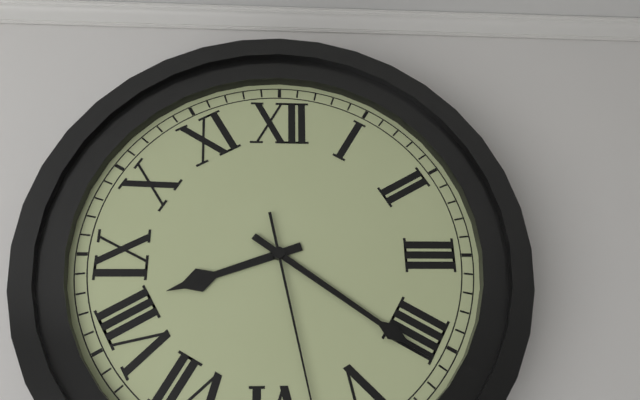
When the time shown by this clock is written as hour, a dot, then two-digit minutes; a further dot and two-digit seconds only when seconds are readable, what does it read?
8.21
